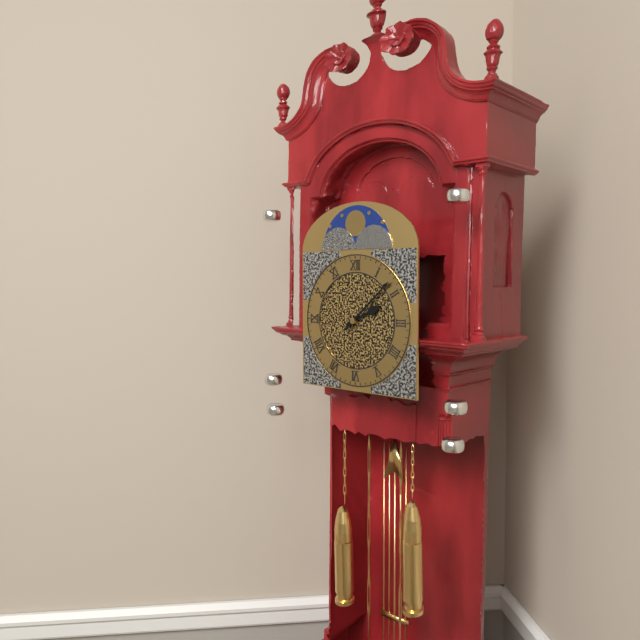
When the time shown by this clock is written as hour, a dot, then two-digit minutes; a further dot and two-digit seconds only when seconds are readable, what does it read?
2.08
